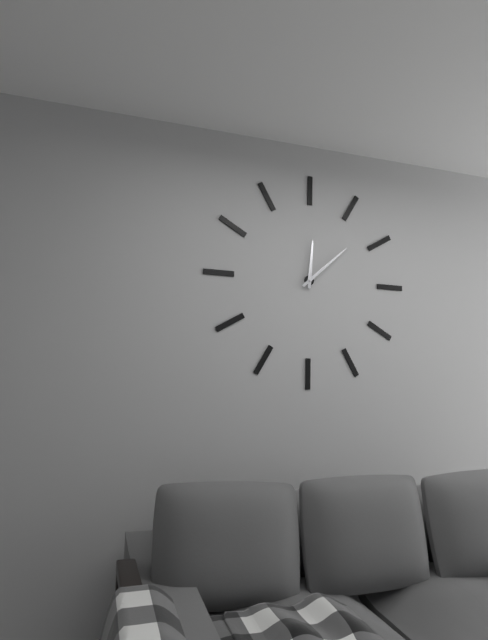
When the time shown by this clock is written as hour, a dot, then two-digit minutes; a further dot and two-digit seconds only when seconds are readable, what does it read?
12.08
